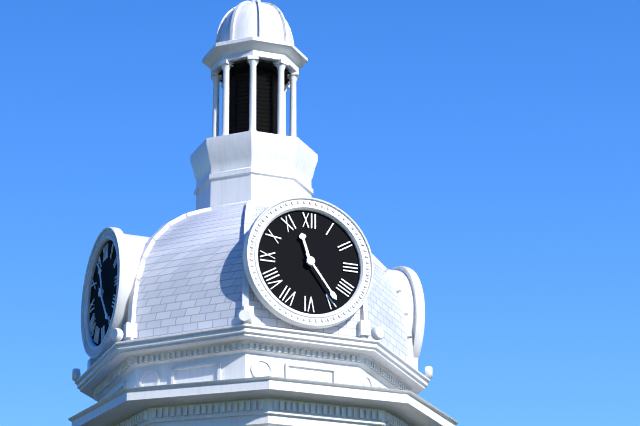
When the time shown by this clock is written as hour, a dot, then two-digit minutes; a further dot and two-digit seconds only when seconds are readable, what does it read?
11.24
